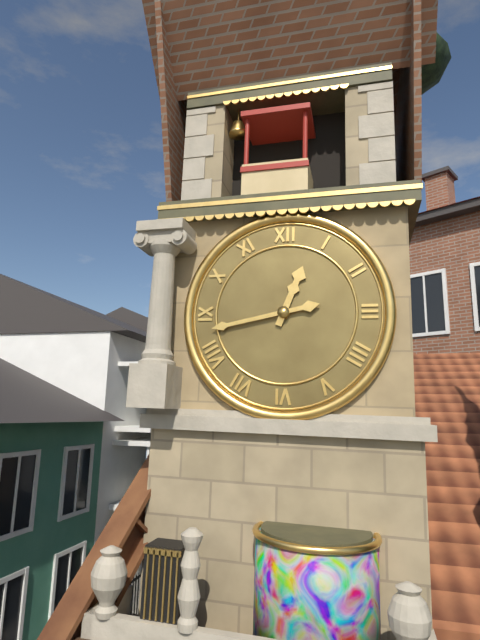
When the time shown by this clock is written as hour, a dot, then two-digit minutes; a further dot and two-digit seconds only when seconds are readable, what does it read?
12.43
